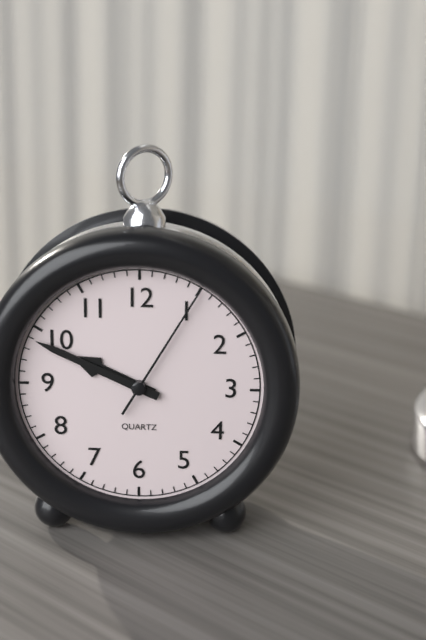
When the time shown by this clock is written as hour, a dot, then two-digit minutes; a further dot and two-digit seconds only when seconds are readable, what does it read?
9.49.05
